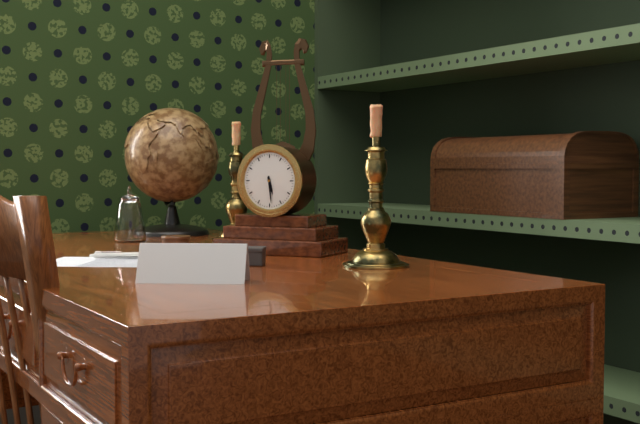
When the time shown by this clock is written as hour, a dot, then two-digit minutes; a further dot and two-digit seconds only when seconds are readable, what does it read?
5.29
